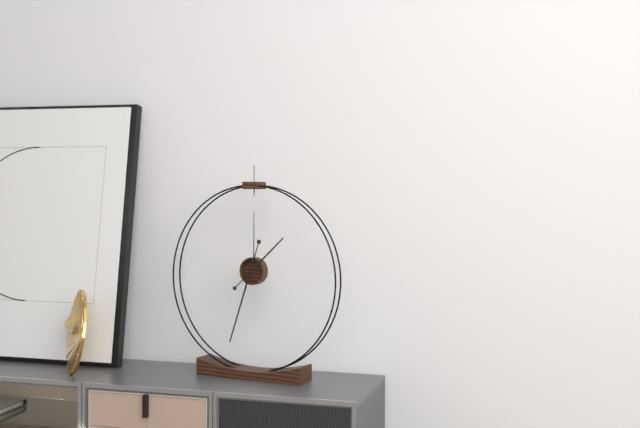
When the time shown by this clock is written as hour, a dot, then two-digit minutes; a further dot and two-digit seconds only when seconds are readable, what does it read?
1.33
